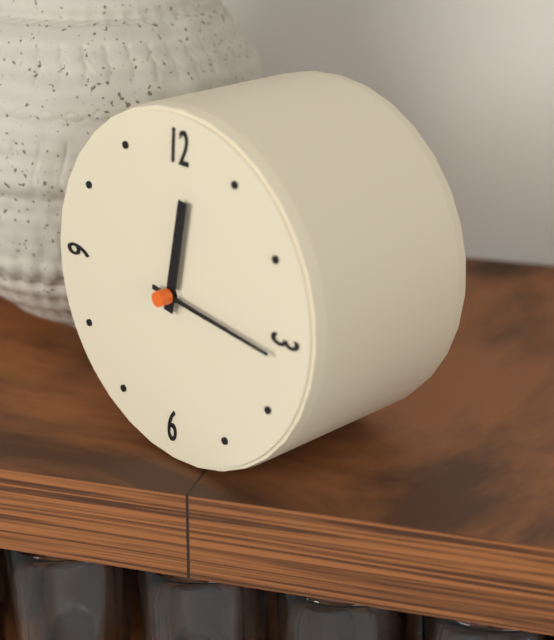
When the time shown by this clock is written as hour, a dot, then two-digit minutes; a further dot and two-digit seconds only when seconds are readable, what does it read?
12.16
